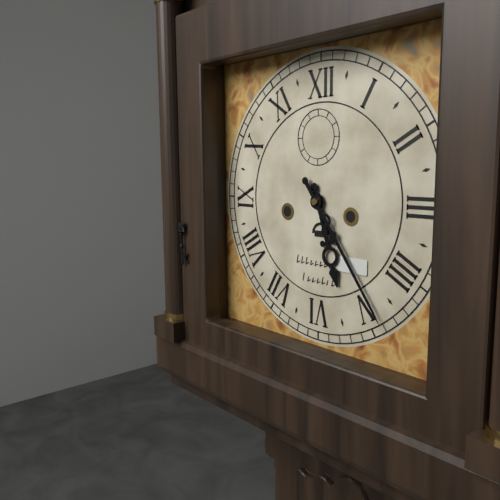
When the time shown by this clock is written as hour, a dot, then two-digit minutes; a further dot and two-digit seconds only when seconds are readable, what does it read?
5.24
